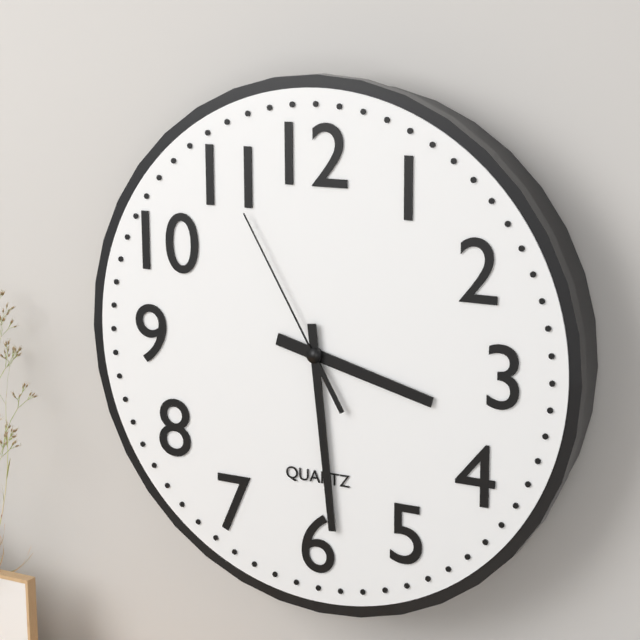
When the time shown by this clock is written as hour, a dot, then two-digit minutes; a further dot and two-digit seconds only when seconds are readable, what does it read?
3.29.55
